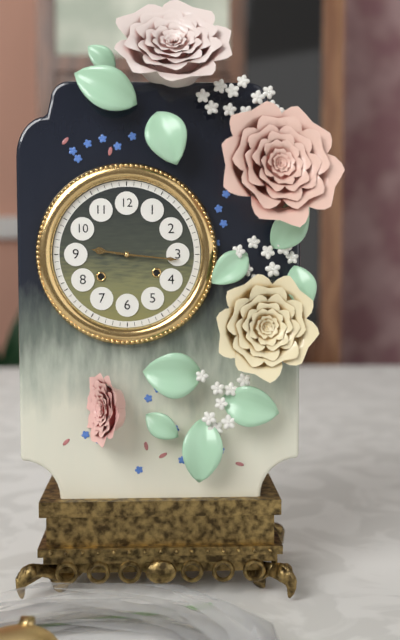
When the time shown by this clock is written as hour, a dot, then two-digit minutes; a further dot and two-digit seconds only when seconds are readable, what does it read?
9.16
